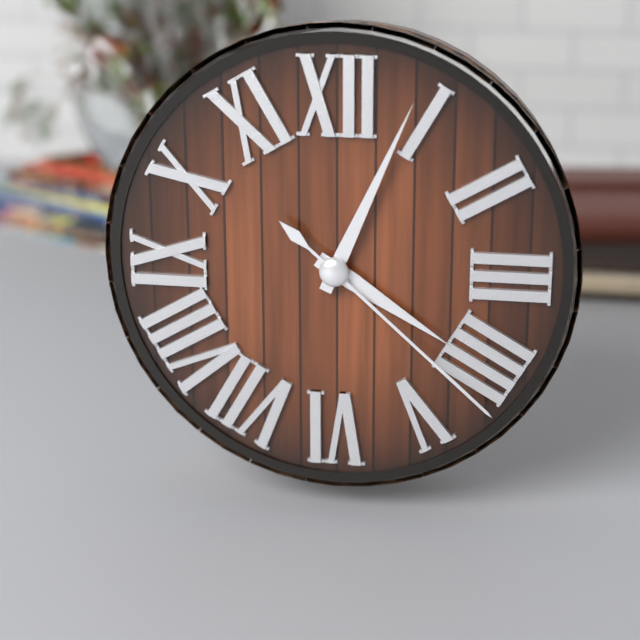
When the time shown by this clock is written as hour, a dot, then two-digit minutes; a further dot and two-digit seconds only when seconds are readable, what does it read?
4.04.22
